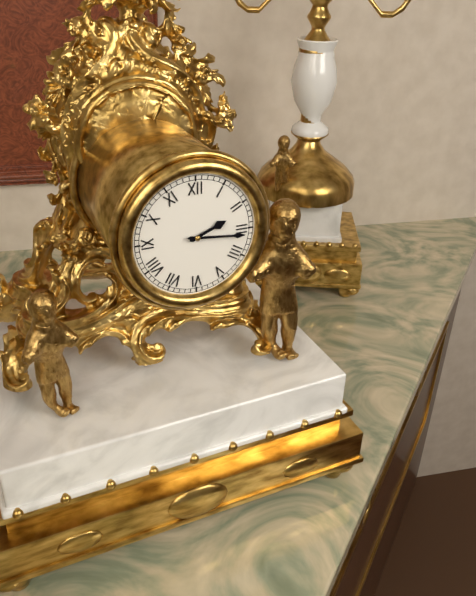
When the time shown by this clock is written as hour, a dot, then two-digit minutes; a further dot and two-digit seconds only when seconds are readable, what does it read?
2.16
